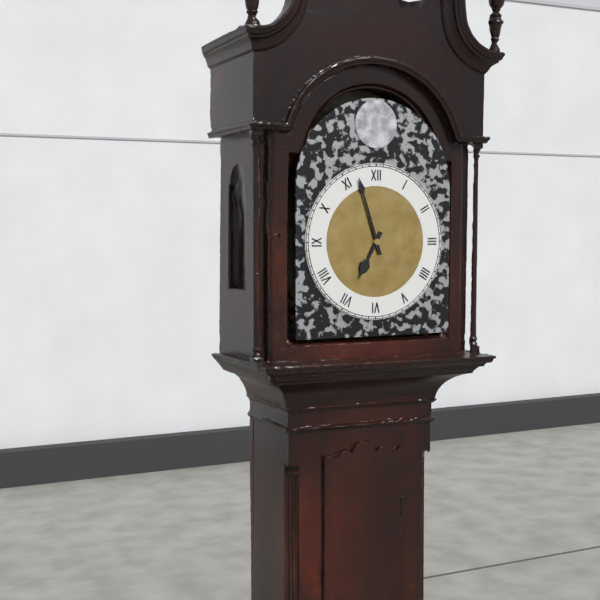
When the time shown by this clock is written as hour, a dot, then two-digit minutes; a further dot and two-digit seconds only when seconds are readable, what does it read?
6.57
